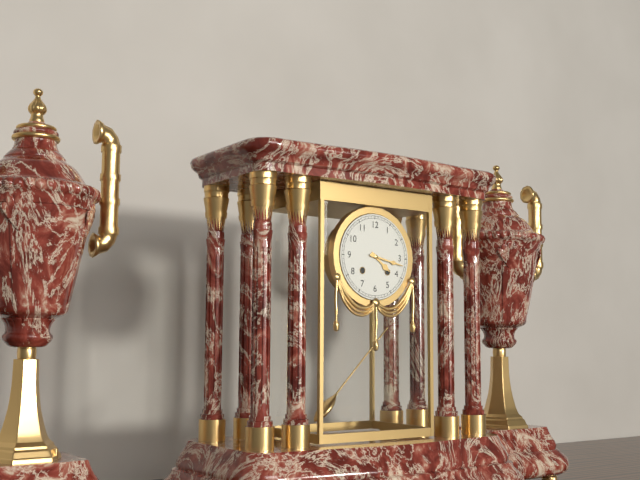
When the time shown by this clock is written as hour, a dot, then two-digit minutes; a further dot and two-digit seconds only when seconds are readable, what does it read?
4.17
